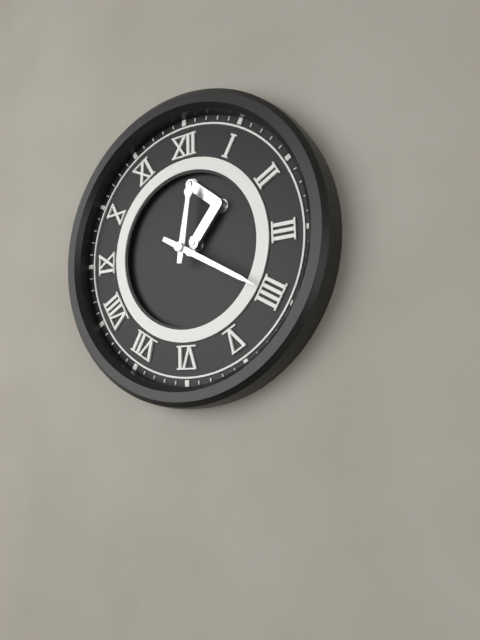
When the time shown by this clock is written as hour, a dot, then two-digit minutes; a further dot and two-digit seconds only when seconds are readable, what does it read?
12.20
